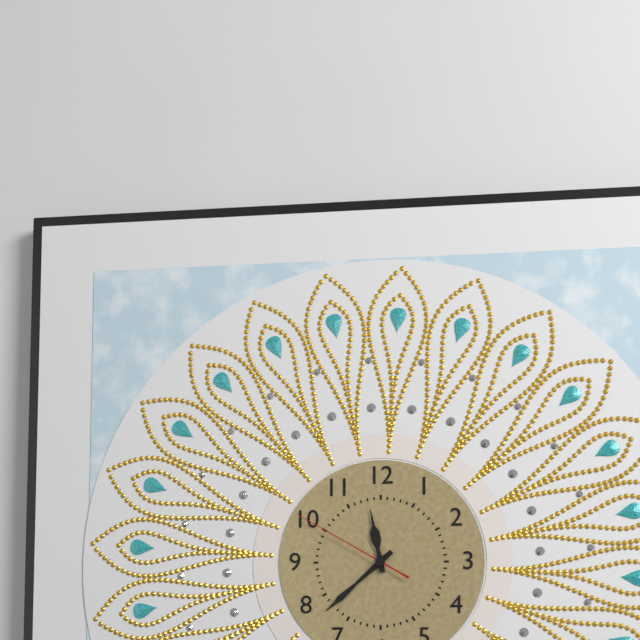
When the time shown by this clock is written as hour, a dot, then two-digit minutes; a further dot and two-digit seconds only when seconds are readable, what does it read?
11.38.50
